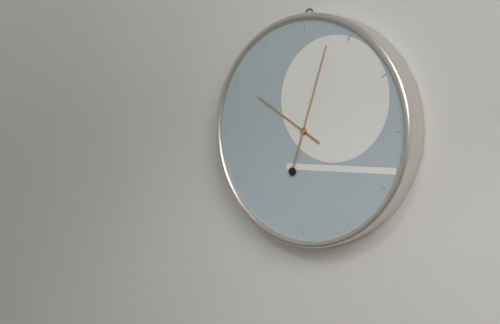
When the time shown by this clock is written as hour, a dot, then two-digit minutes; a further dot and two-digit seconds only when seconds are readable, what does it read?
10.03
